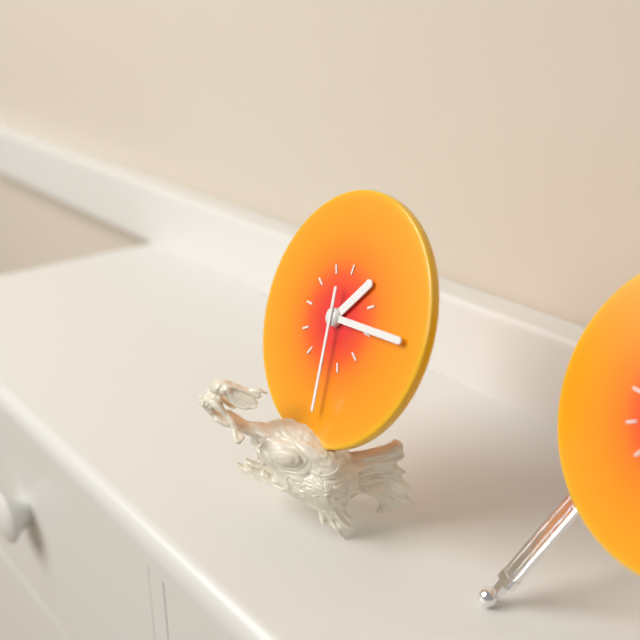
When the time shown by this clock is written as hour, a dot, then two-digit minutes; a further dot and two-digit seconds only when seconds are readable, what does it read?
1.14.28
